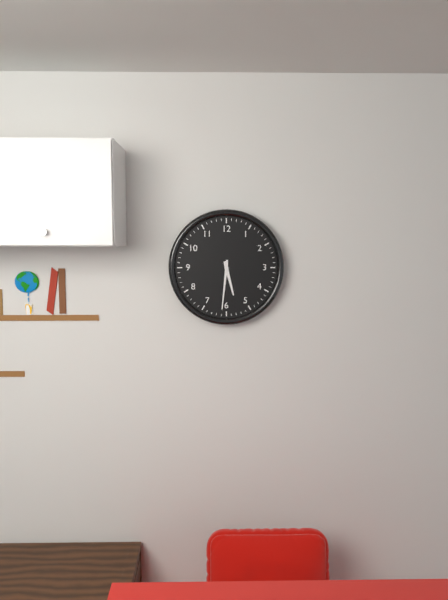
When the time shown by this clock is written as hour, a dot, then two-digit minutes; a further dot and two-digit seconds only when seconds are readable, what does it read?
5.31
